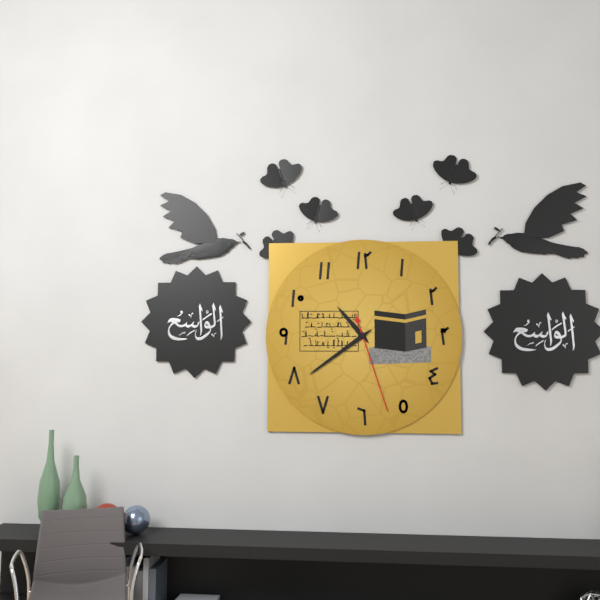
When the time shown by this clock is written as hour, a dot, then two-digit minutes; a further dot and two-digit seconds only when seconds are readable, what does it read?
10.39.27
